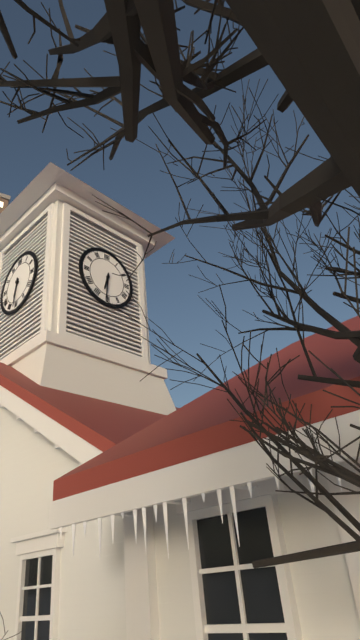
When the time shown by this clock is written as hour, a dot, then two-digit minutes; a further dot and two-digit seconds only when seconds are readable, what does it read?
6.31
